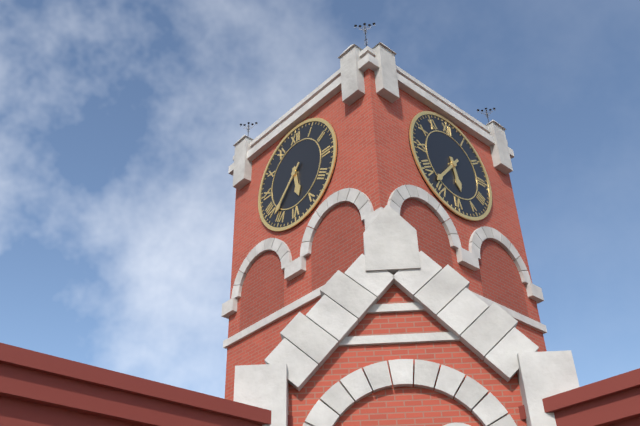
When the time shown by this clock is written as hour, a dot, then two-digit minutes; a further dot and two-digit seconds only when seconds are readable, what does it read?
5.37
